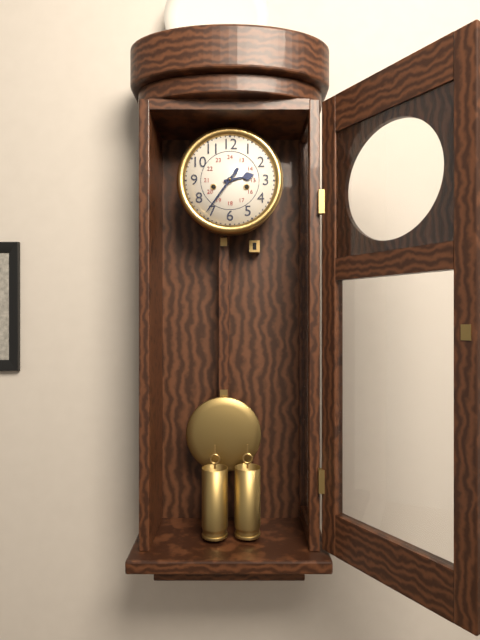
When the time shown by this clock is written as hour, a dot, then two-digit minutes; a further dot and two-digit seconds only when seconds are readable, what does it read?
2.36
